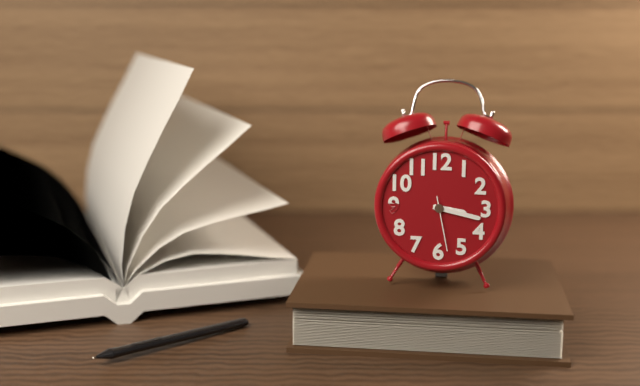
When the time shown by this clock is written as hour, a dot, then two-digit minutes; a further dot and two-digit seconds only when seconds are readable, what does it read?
3.17.28
